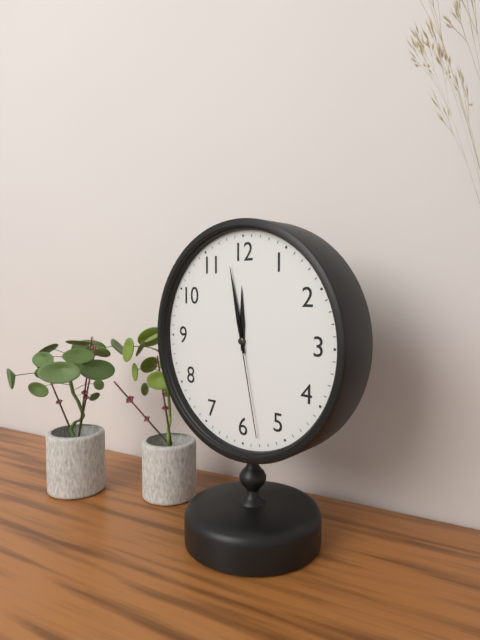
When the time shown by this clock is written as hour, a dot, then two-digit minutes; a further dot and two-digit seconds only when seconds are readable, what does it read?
11.58.28
